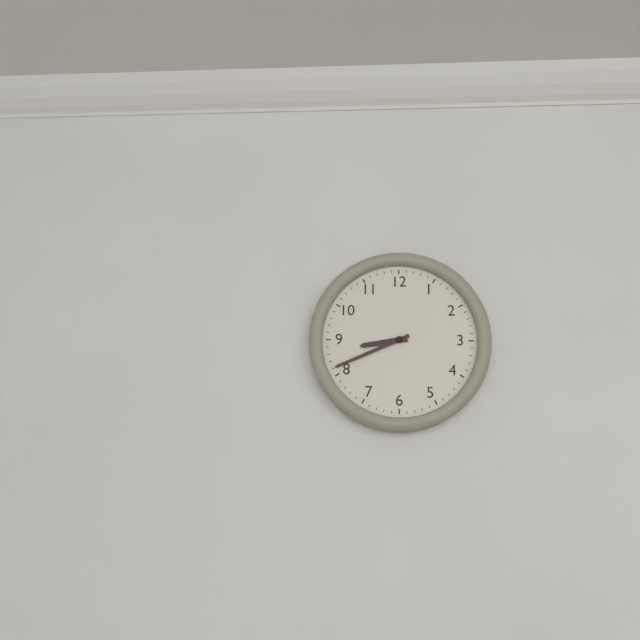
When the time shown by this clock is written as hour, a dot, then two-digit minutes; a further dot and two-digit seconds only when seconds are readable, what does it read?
8.41
